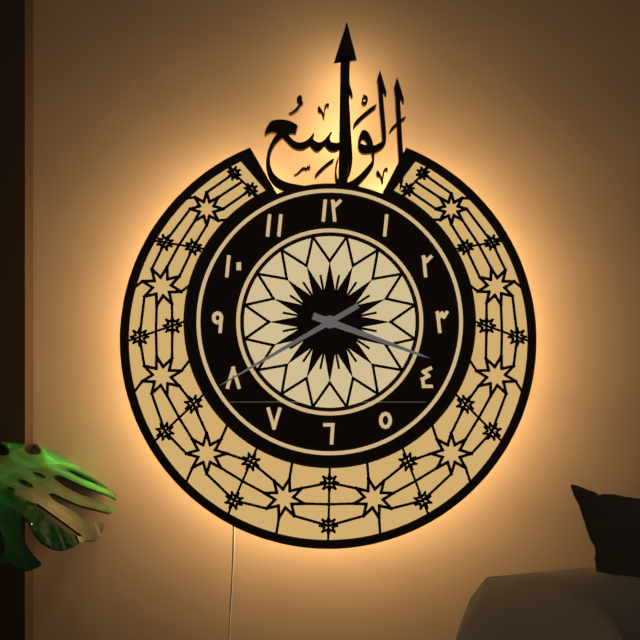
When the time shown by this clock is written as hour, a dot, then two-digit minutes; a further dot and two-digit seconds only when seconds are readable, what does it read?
3.40
